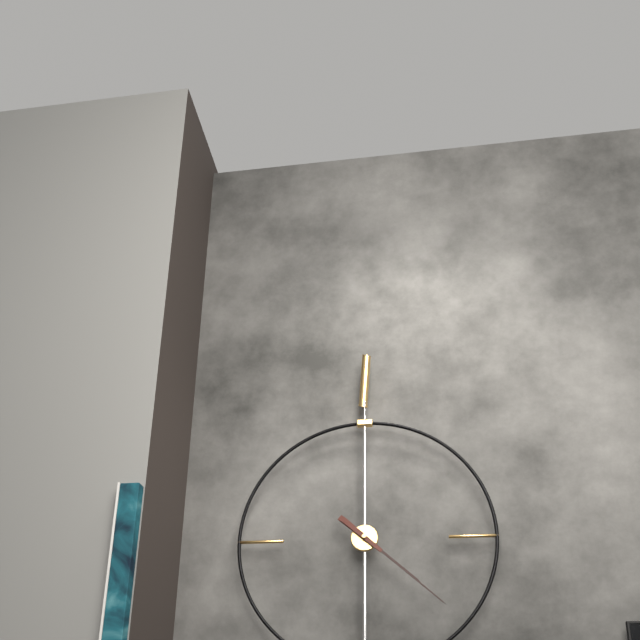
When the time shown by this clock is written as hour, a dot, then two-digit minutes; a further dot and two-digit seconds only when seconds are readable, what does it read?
4.22
